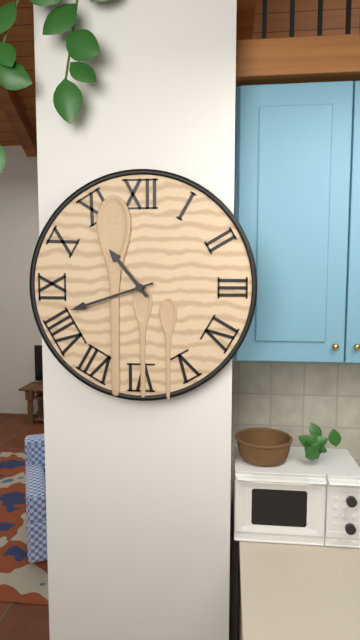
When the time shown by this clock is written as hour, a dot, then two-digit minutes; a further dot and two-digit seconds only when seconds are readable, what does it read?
10.42
